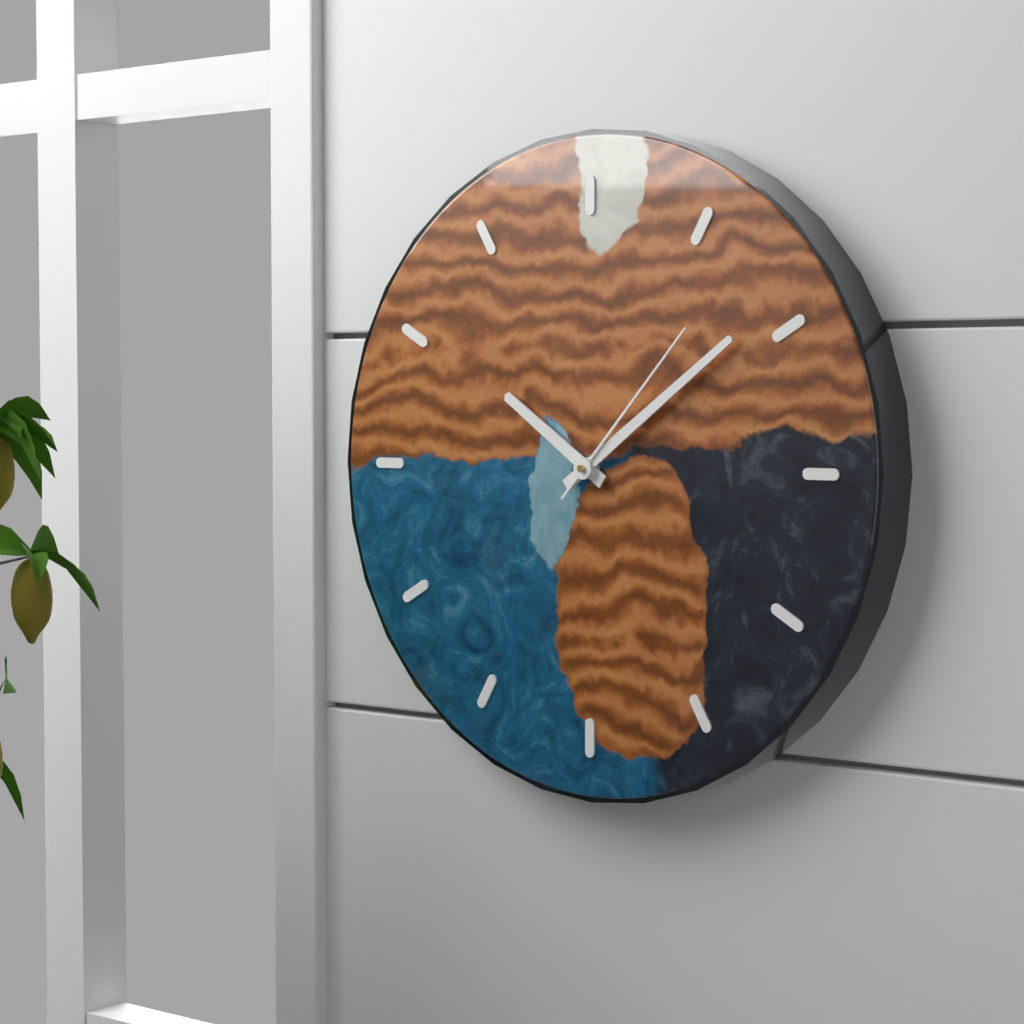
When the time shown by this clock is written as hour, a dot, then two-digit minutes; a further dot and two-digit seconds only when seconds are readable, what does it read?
10.09.07
